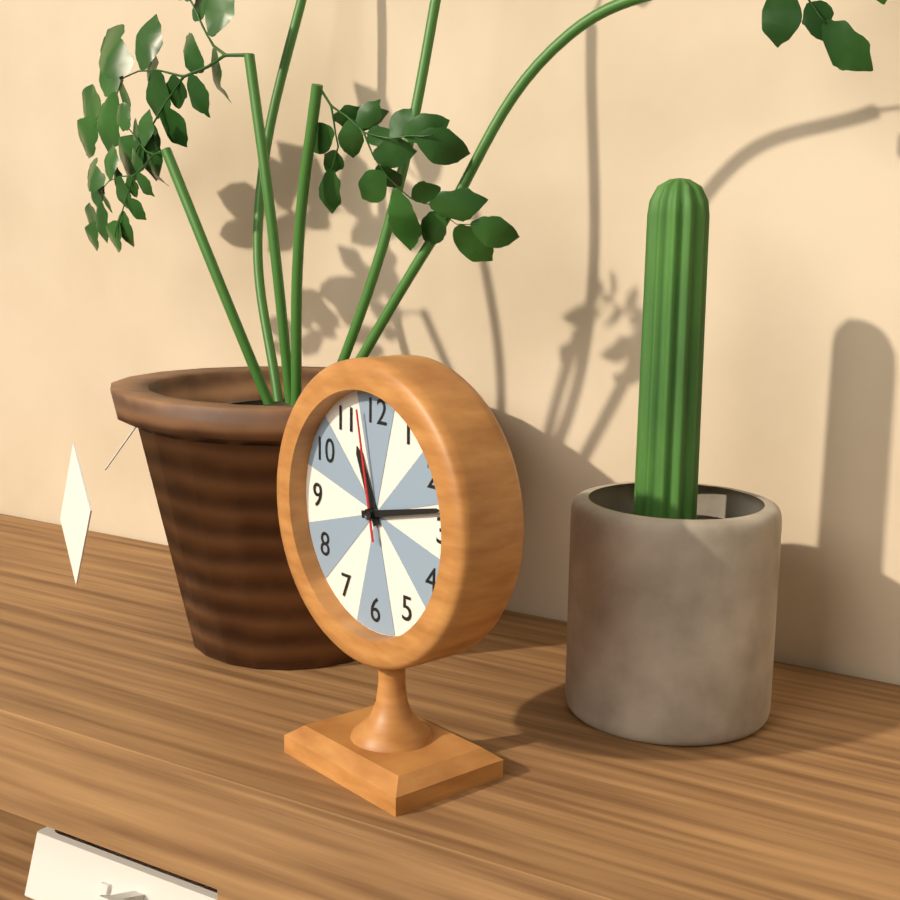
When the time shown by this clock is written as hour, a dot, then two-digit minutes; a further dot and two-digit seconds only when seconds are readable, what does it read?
11.13.58
